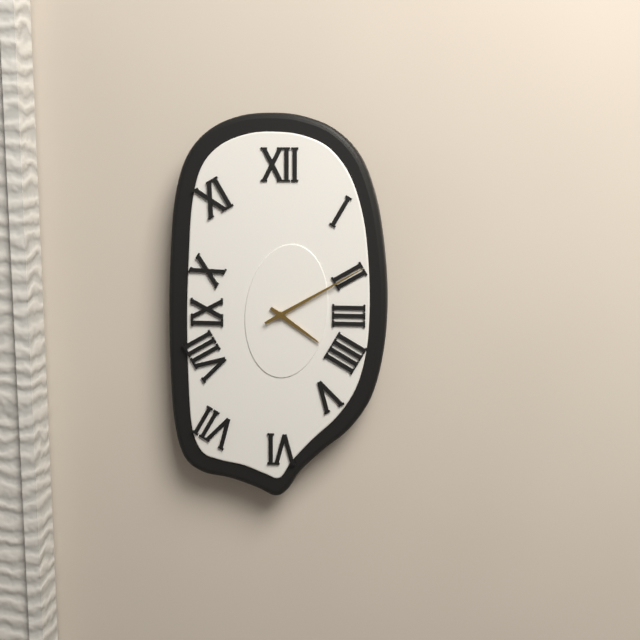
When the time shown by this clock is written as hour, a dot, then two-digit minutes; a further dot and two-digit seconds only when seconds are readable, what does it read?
4.10
